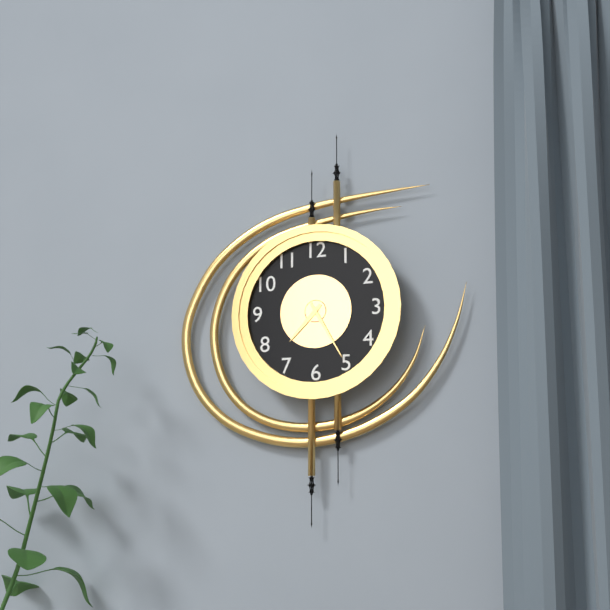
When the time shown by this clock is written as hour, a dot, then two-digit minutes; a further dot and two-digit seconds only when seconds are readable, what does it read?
7.25
